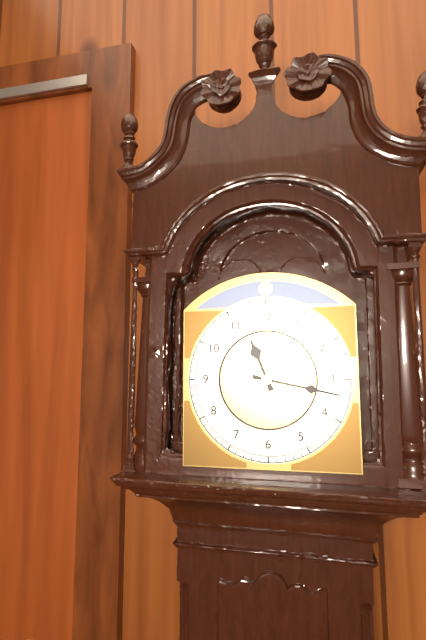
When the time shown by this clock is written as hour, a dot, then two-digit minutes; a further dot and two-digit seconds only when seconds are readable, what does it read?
11.17
